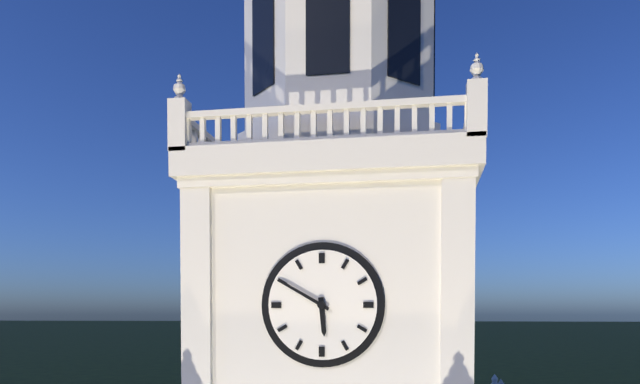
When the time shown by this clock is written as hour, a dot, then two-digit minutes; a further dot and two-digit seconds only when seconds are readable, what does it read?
5.50
